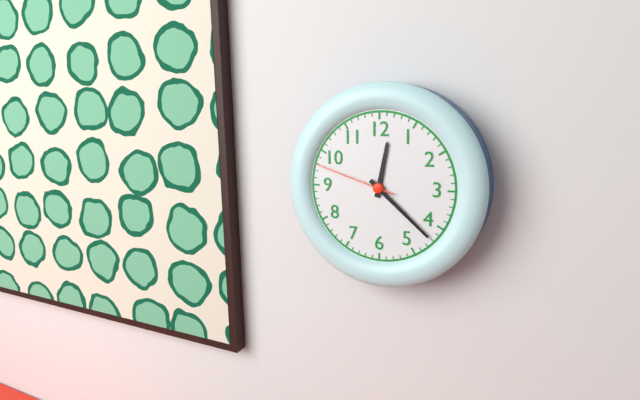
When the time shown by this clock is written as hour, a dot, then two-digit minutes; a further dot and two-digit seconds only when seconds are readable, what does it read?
12.22.48
